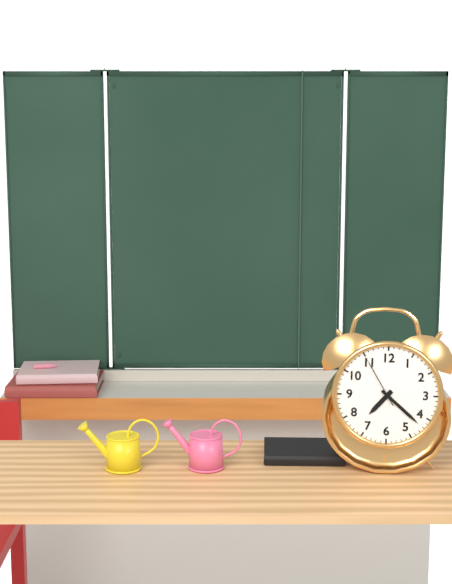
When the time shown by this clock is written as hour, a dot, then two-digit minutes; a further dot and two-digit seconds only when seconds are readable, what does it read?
7.22.55
